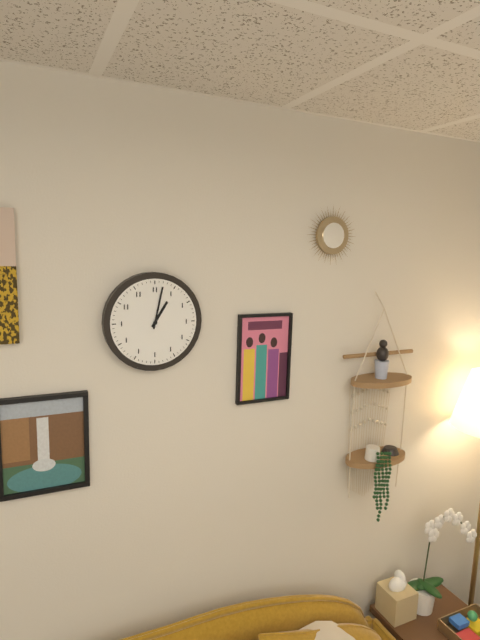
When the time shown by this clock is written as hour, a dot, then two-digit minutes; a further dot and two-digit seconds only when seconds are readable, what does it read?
1.02
